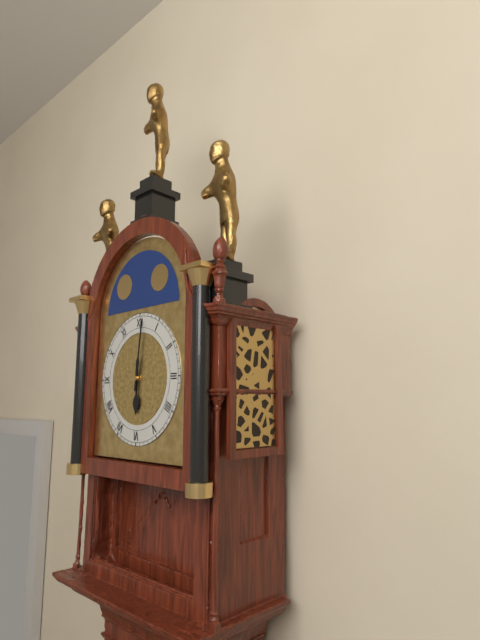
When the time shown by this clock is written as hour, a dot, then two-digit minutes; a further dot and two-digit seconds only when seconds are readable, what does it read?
6.01
